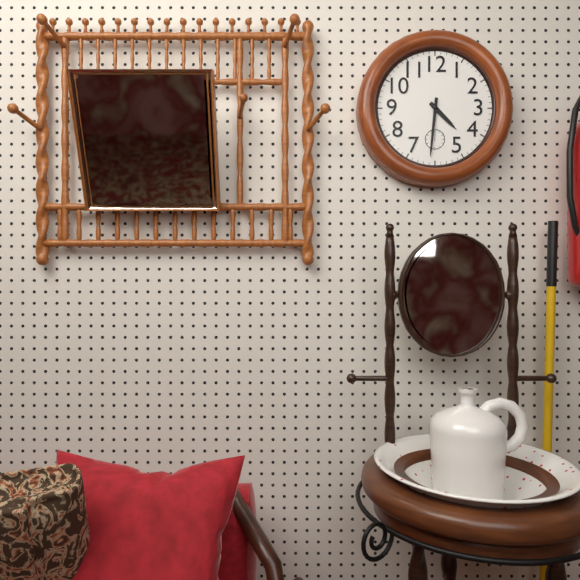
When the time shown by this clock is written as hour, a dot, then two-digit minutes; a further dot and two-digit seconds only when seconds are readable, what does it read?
4.31
